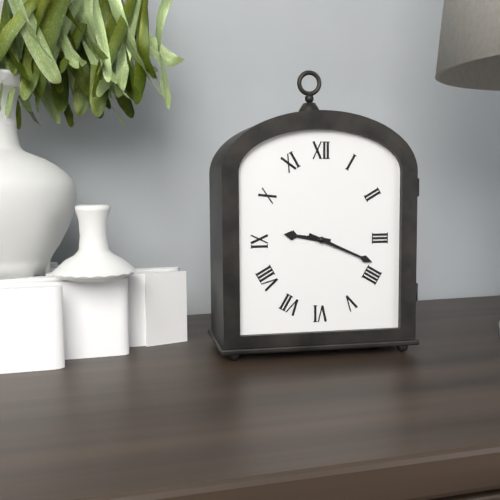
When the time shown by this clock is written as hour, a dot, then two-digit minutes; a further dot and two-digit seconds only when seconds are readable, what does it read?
9.19
